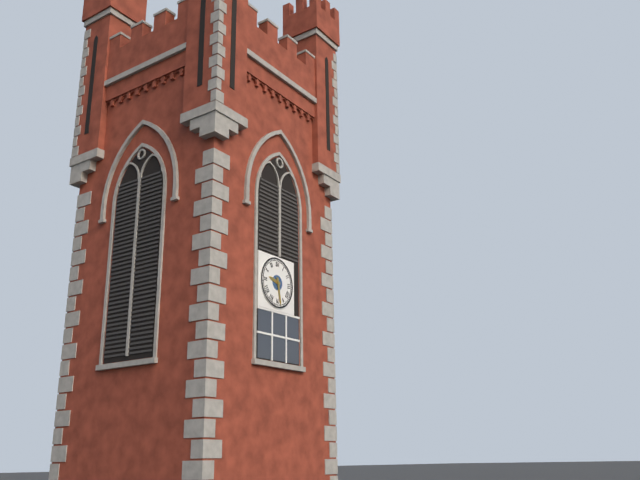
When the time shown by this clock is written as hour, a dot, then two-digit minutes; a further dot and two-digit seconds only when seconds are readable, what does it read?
9.28
